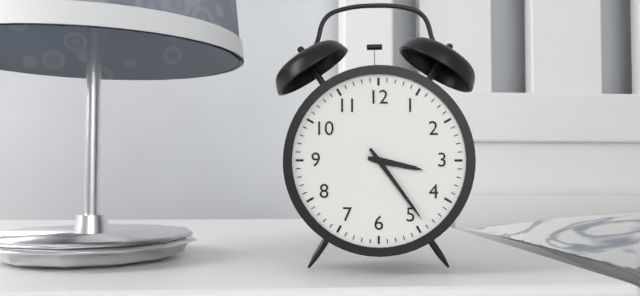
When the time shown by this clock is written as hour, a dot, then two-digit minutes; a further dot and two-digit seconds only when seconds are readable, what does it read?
3.24
